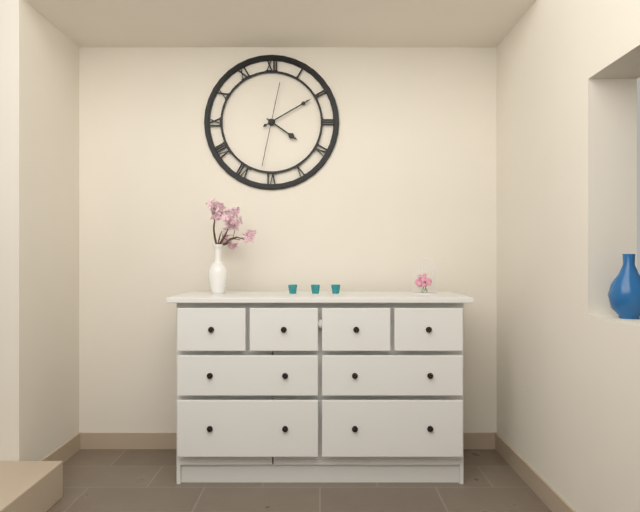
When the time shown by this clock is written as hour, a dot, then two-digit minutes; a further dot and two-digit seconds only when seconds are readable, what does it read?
4.10.32
